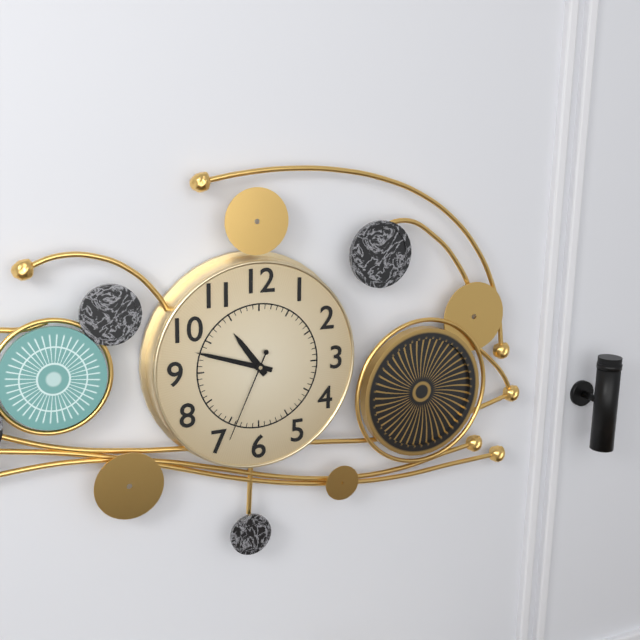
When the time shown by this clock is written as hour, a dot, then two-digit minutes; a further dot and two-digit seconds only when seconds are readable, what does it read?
10.48.34
